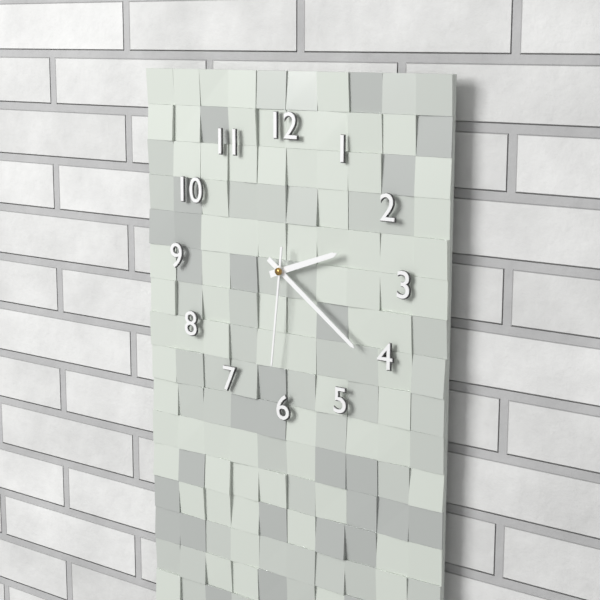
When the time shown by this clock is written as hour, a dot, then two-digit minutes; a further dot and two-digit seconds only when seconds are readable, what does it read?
2.21.31
